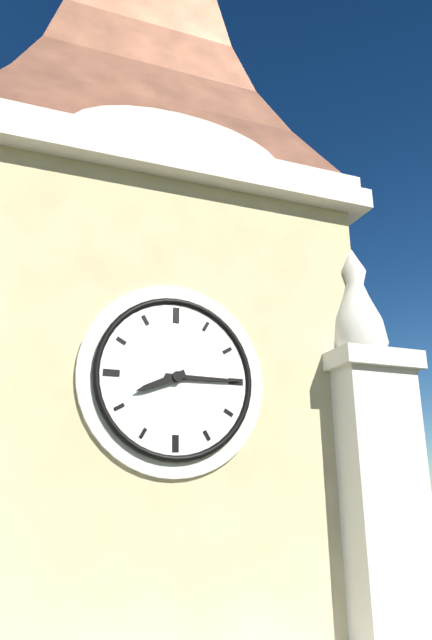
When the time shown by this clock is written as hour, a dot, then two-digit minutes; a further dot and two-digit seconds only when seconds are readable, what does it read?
8.15
